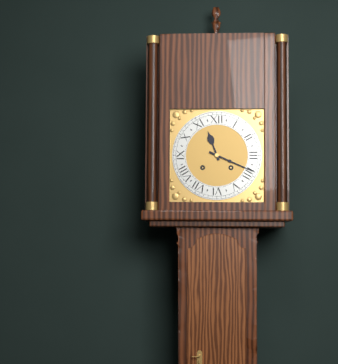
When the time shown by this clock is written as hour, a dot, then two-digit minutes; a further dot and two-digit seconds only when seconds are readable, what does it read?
11.19
